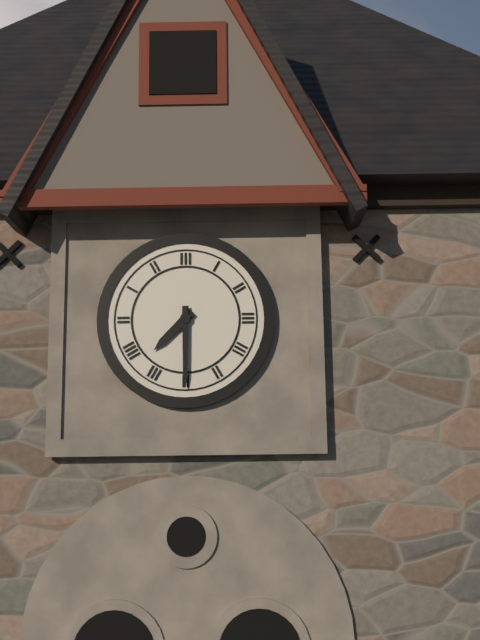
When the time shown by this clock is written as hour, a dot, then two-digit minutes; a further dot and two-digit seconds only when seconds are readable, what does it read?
7.30
